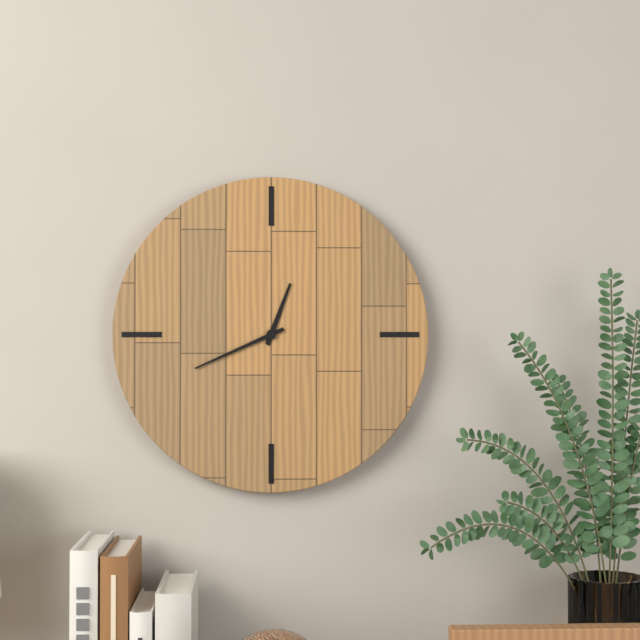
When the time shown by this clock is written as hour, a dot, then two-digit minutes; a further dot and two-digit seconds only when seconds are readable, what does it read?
12.41
